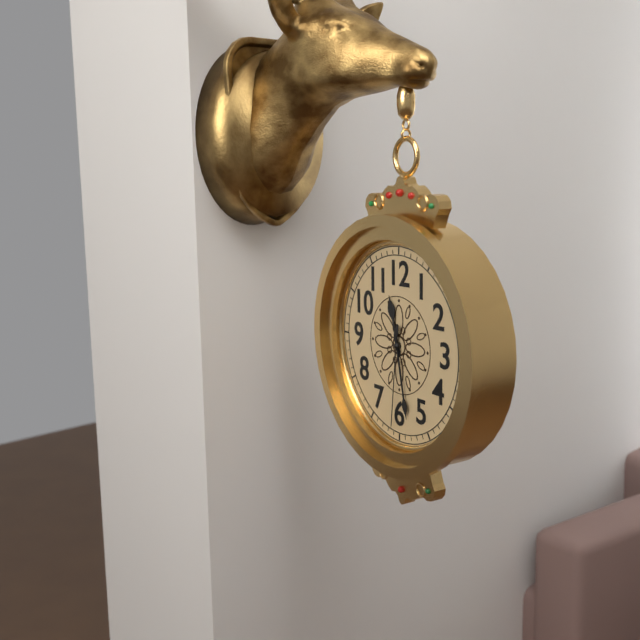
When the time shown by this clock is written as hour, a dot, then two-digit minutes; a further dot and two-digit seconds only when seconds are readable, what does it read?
11.28.31
